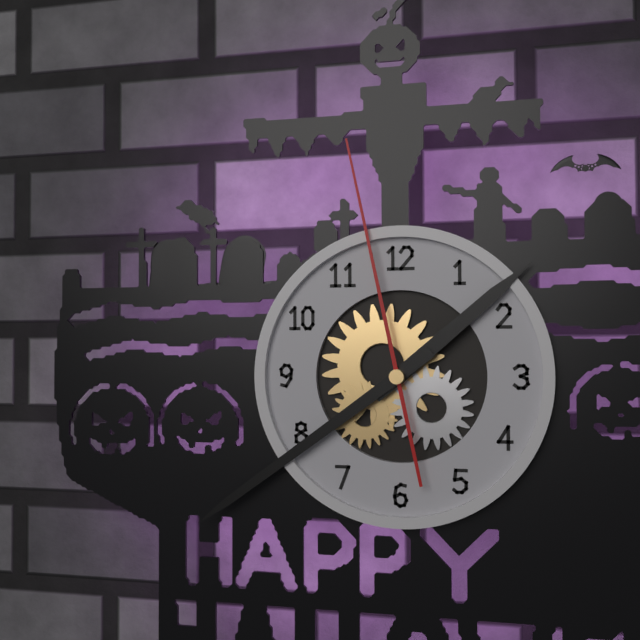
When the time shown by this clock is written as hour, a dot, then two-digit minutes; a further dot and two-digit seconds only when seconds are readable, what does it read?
1.39.58
